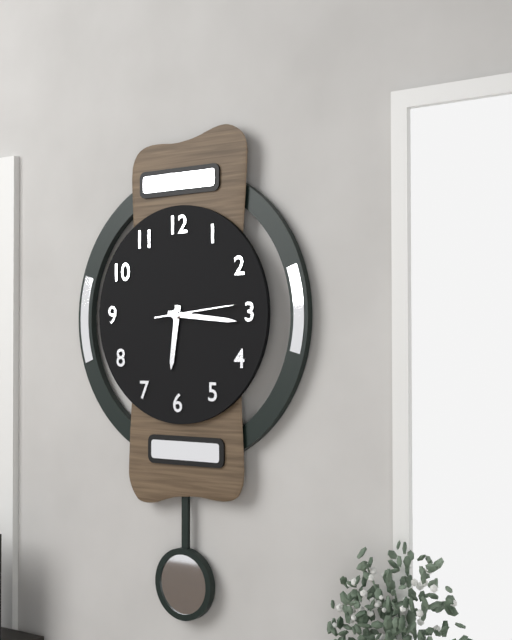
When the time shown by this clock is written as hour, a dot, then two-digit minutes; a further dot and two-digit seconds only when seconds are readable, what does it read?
6.16.14
